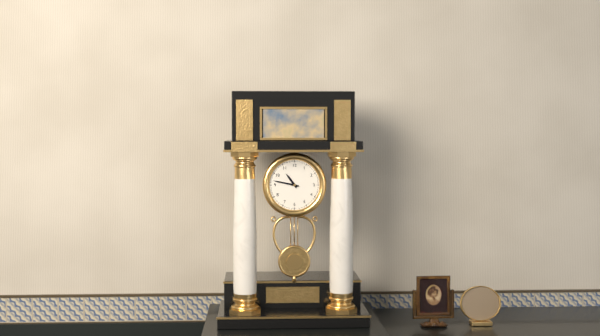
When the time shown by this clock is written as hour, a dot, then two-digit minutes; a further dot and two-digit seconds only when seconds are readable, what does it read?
10.47
